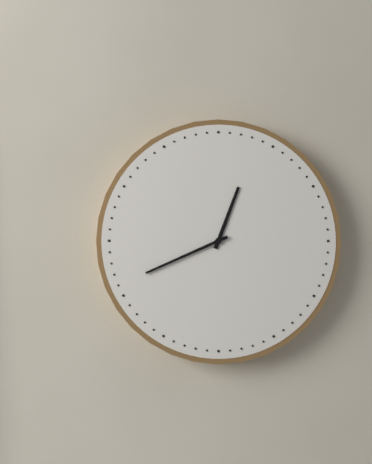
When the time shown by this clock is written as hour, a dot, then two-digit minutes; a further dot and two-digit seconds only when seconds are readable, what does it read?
12.41
